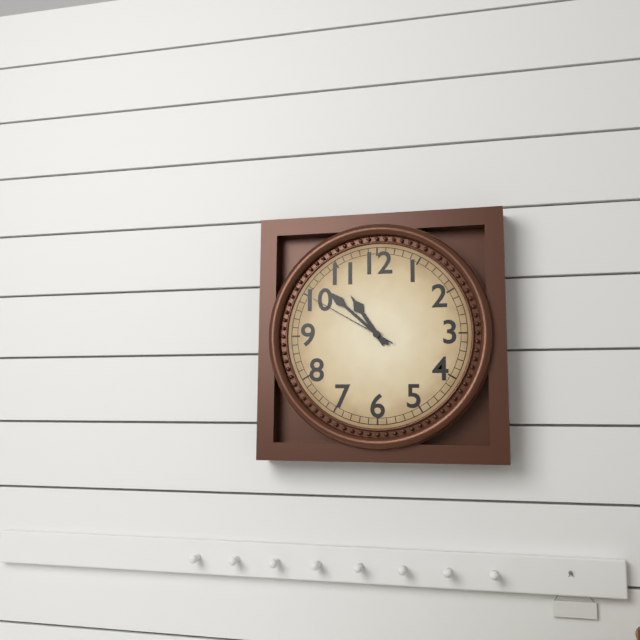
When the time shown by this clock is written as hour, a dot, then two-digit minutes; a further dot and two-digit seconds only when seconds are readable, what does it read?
10.52.50
